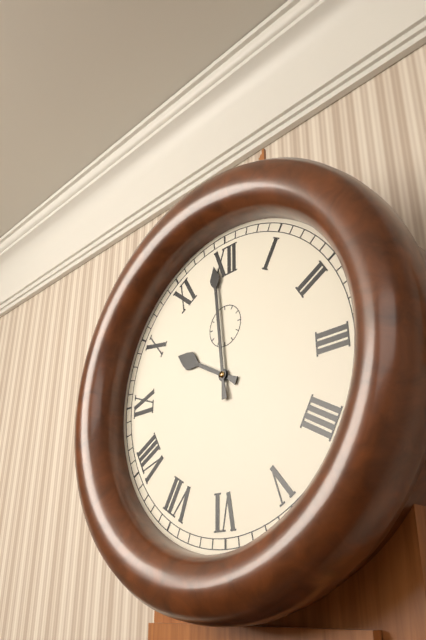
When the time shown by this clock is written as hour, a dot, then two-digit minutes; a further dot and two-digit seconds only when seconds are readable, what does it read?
9.59
